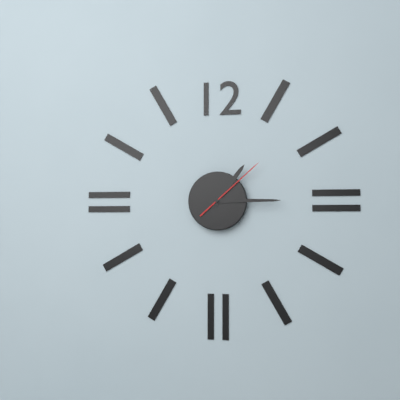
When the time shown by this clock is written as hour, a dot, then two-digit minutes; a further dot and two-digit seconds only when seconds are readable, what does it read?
1.15.08
